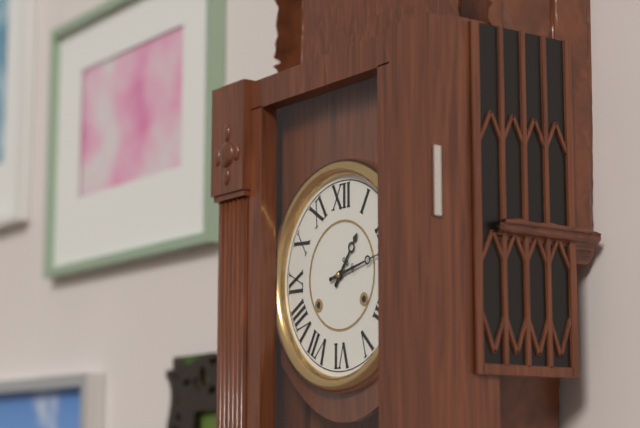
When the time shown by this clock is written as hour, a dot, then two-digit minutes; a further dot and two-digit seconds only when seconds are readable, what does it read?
1.13
